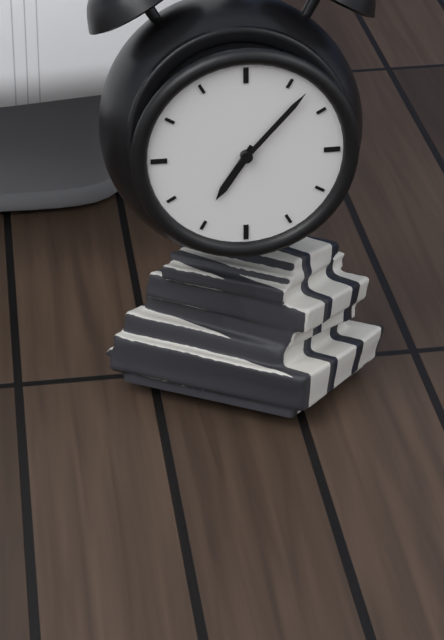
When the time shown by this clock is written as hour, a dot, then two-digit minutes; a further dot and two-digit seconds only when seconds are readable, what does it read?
7.07
